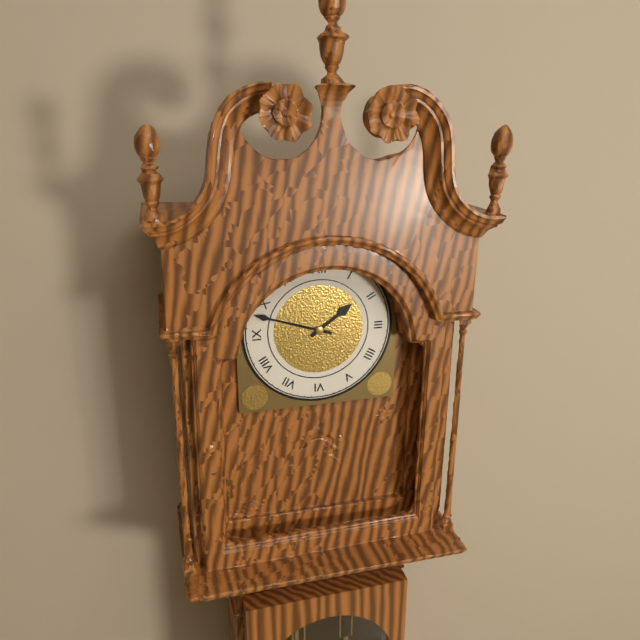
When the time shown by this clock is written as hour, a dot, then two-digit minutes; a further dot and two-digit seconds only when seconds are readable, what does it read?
1.48
